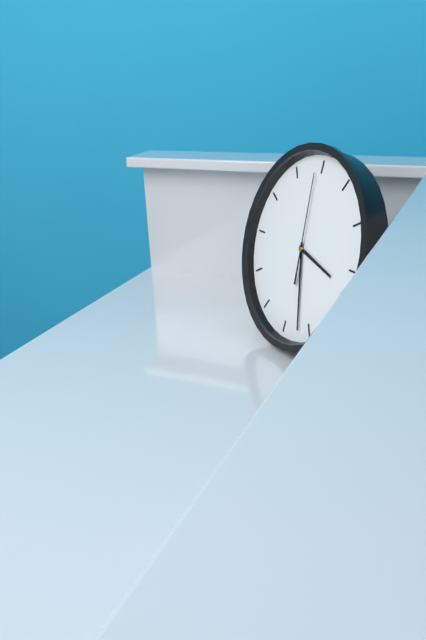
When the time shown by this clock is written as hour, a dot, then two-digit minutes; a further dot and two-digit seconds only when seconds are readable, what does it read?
3.27.59
